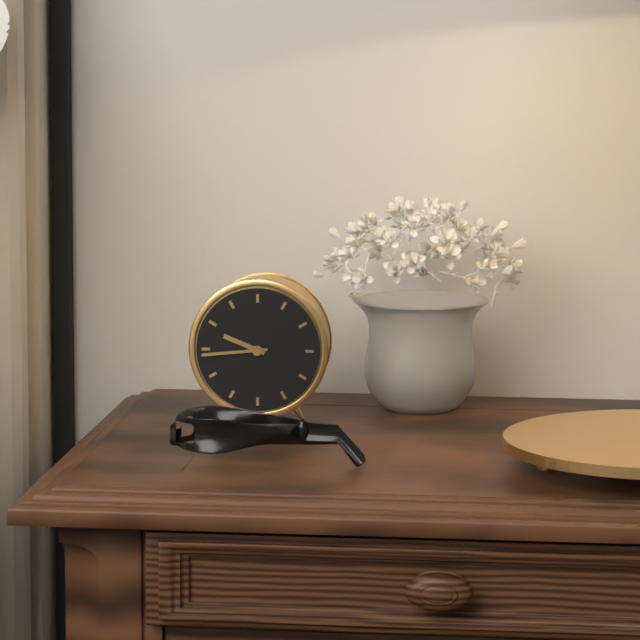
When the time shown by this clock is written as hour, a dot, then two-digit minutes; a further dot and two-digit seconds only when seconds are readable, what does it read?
9.44
